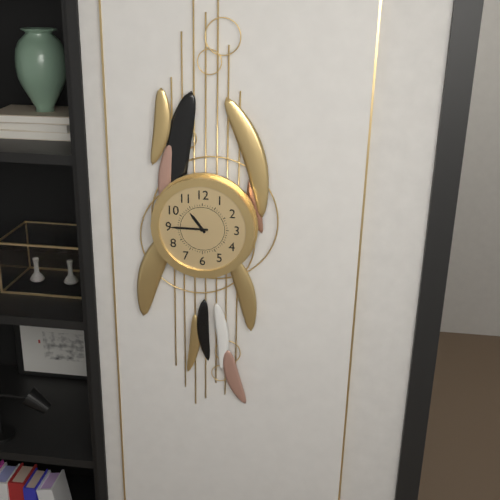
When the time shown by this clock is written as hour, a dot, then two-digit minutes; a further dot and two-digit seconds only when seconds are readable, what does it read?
10.45
